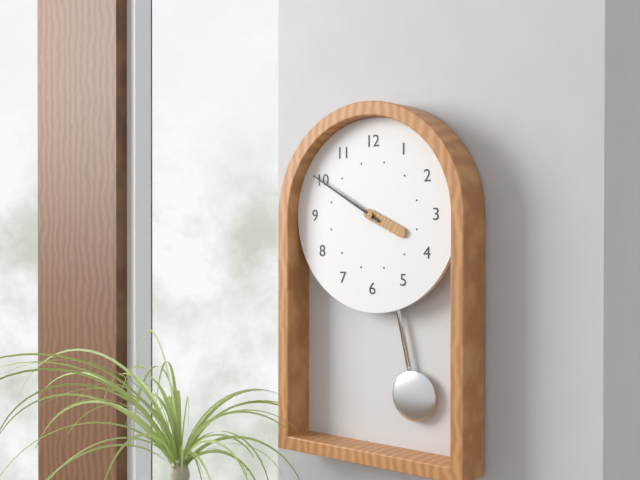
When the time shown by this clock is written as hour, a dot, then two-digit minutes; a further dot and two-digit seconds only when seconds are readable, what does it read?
3.50
